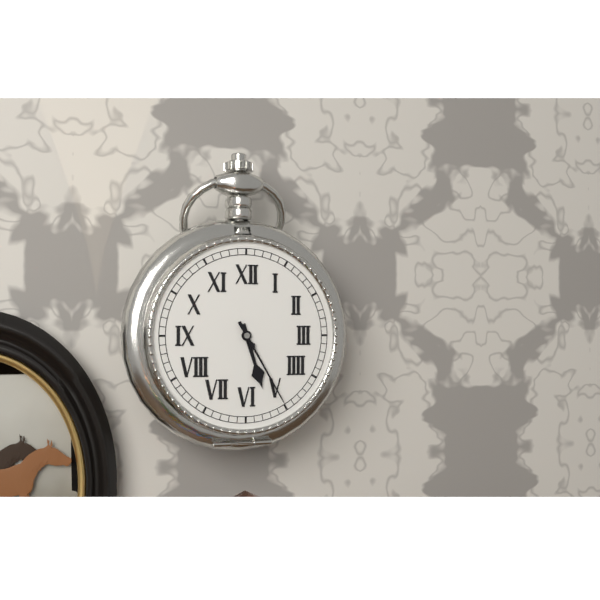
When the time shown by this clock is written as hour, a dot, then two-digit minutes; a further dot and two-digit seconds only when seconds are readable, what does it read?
5.25
